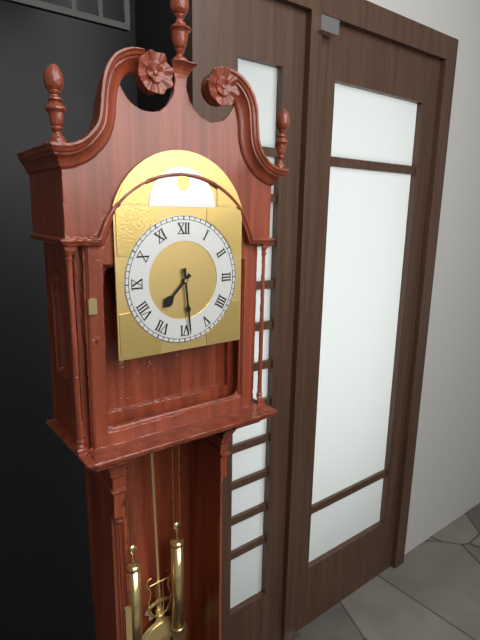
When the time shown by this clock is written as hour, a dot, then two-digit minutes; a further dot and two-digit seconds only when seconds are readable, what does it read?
7.29
